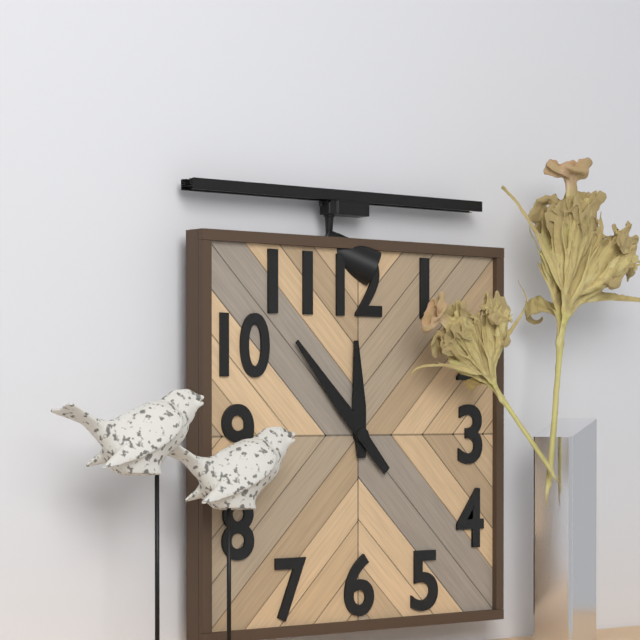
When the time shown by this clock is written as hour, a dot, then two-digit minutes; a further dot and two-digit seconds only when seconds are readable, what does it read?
11.53
